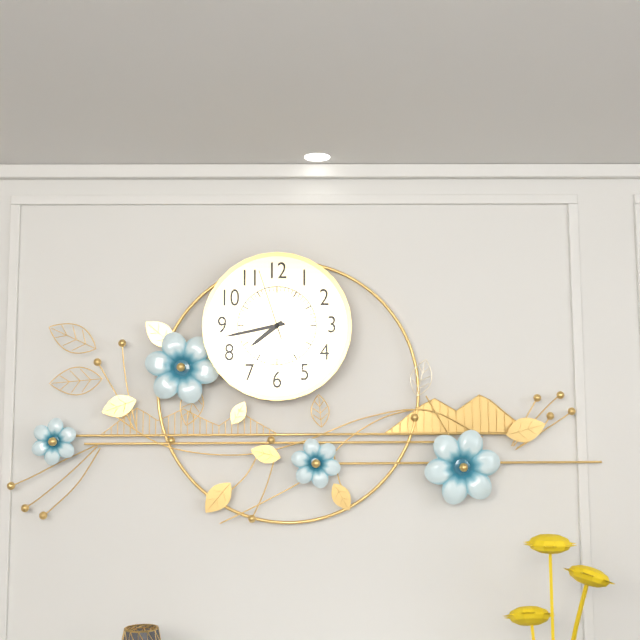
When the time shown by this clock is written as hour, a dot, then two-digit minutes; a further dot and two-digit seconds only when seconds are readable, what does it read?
7.43.57
